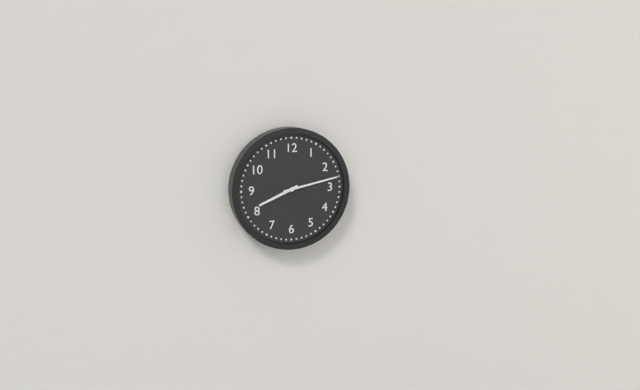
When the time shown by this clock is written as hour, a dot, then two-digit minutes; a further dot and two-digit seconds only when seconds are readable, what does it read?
8.13
